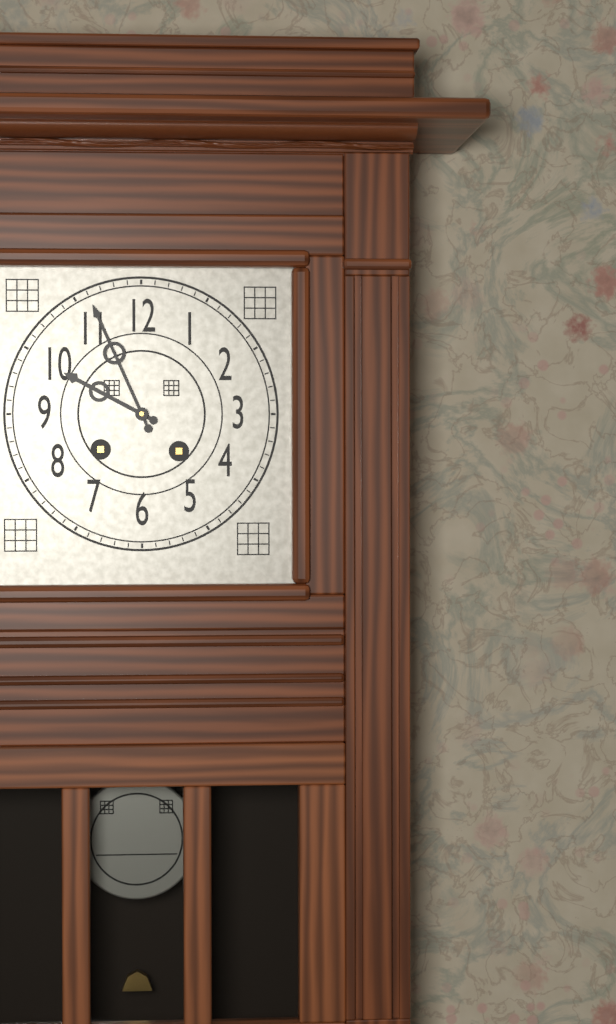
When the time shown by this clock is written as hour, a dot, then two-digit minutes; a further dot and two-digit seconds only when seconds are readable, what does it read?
9.56
